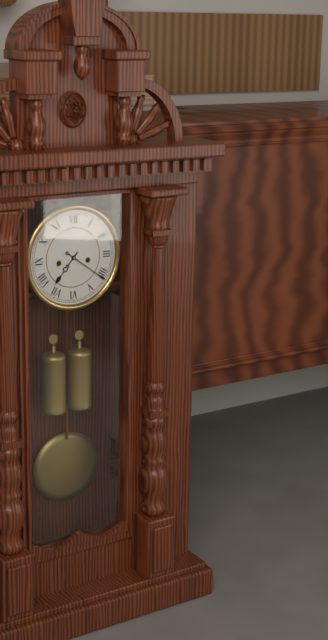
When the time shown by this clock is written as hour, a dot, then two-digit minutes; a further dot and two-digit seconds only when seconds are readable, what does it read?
7.21
